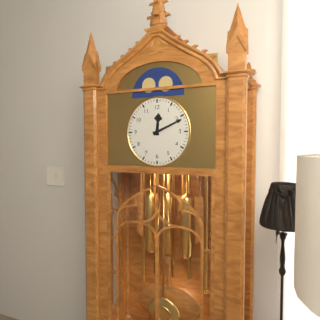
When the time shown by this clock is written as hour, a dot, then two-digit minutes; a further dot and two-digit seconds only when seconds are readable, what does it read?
12.11
